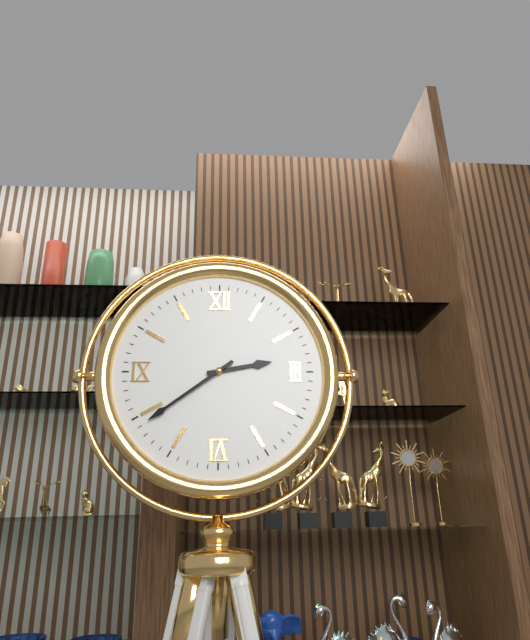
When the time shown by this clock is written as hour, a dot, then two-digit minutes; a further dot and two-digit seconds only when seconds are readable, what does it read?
2.39
